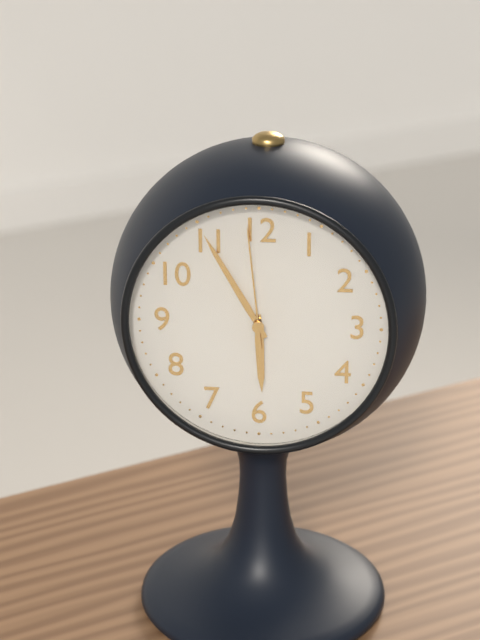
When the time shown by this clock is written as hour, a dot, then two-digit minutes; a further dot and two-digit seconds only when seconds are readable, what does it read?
5.55.59
